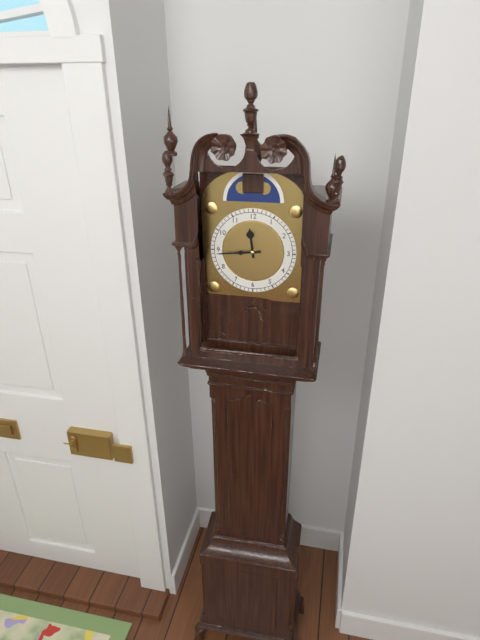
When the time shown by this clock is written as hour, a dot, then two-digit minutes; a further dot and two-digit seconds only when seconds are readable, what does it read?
11.44
